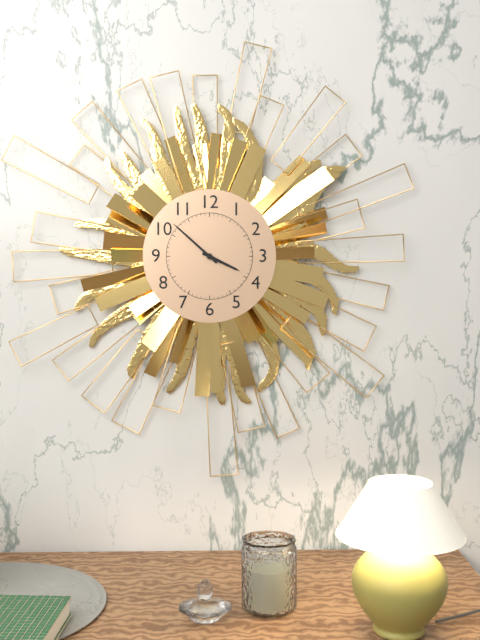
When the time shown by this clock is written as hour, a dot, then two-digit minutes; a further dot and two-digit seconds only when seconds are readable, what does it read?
3.52
